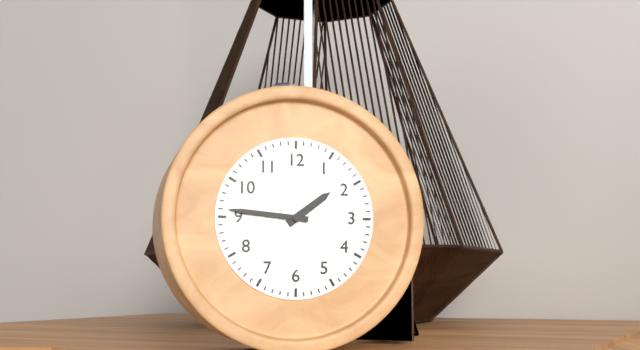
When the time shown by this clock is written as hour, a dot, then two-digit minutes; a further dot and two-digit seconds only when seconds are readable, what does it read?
1.46
